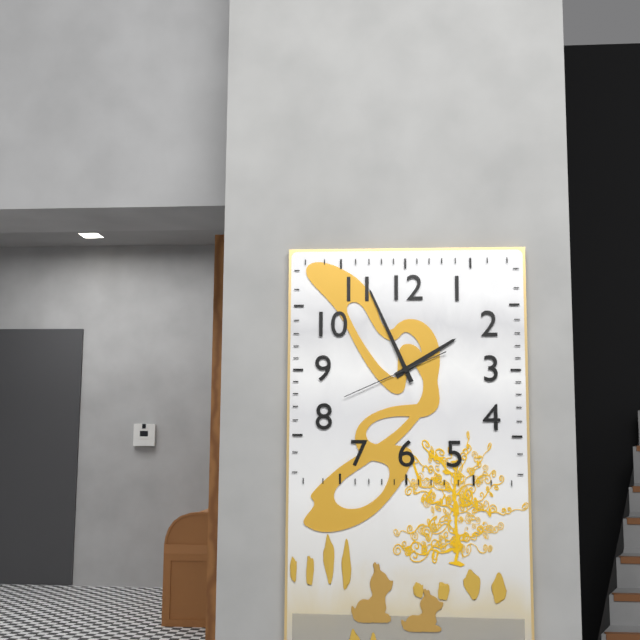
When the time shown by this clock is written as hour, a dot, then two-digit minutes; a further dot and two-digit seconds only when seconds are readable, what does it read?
1.56.41
